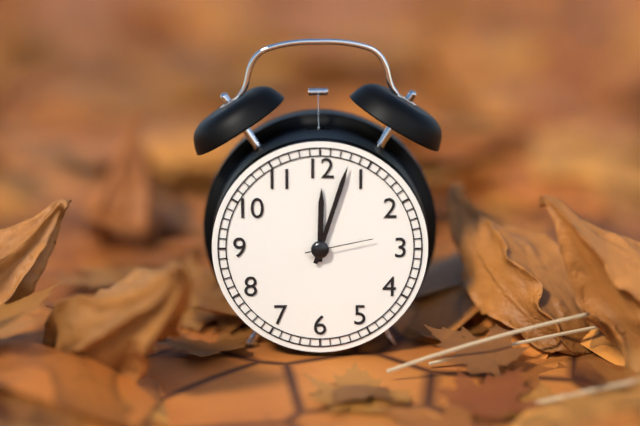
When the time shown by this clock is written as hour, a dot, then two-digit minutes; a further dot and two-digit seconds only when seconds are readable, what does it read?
12.03.13
